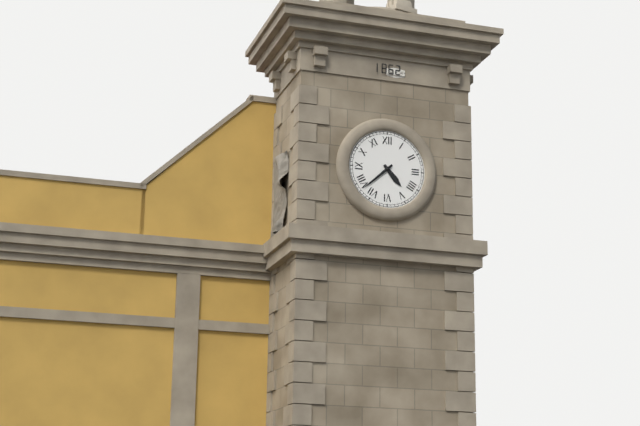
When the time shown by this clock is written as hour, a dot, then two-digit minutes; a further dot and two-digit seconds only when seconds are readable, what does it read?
4.38
